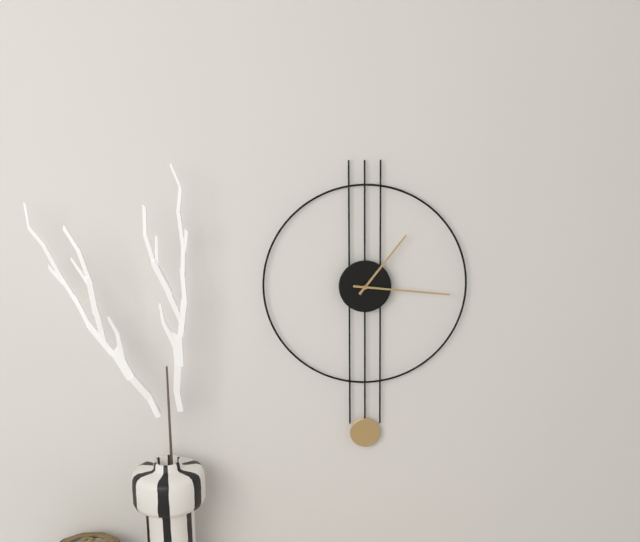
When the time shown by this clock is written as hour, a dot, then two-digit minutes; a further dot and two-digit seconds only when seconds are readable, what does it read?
1.16
